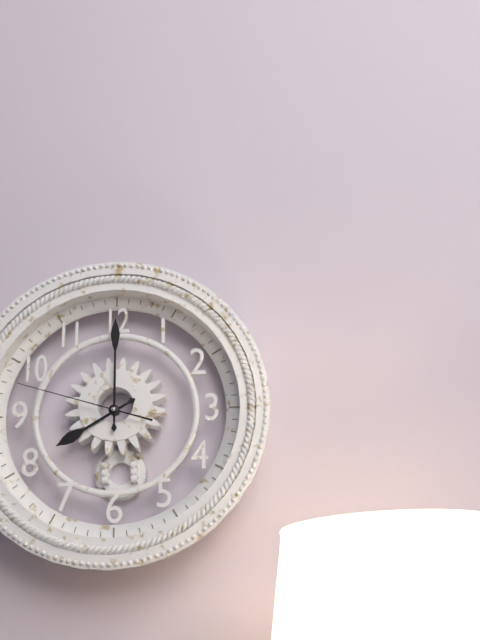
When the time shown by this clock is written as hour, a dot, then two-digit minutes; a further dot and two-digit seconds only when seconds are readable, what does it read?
8.00.48
